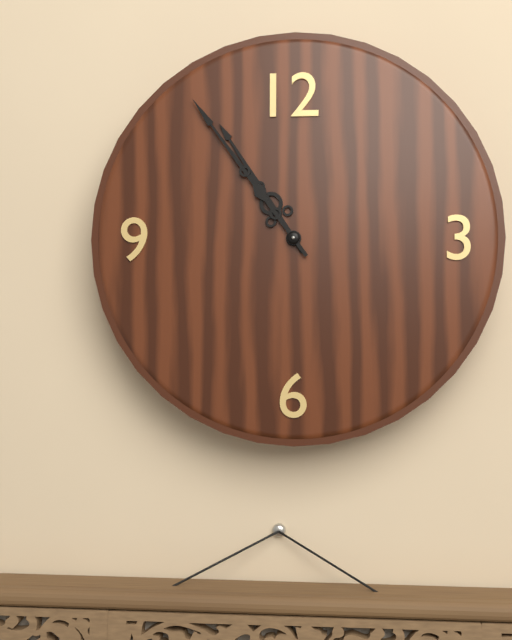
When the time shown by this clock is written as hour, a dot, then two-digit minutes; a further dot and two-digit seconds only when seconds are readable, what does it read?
10.54
